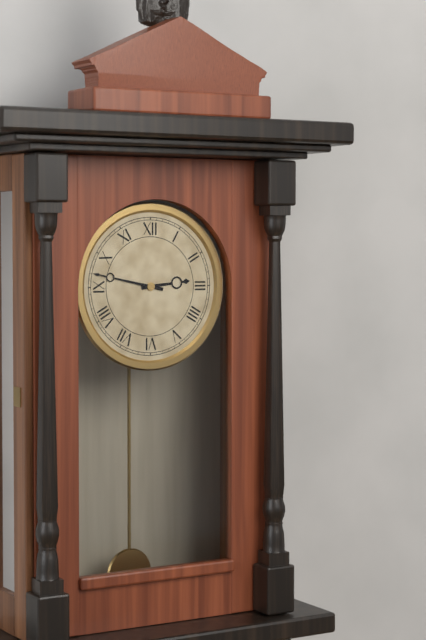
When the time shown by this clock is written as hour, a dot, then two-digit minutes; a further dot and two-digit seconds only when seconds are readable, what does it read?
2.47
